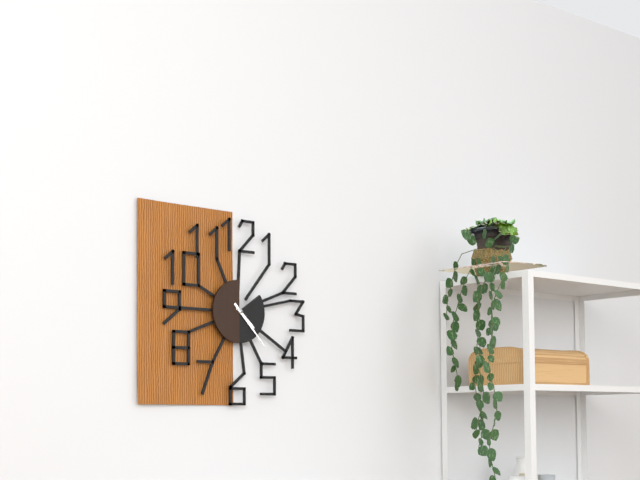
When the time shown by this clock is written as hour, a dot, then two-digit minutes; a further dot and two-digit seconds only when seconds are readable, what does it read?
4.23
